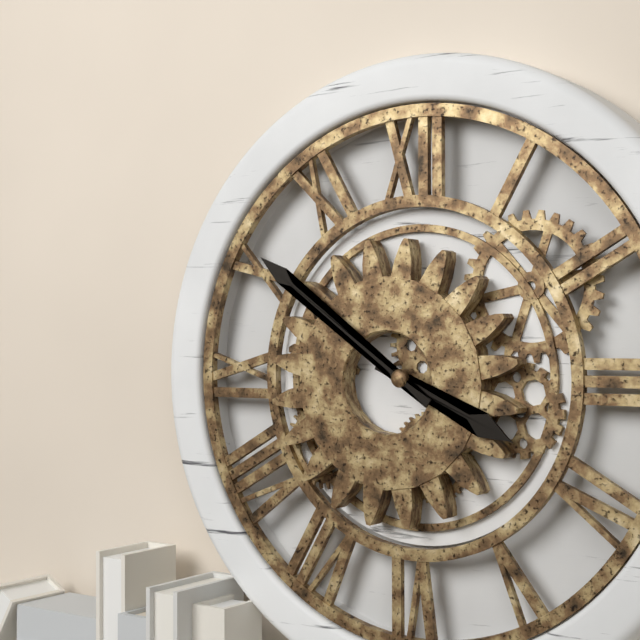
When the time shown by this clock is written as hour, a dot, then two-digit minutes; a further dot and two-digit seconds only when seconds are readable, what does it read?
3.51
